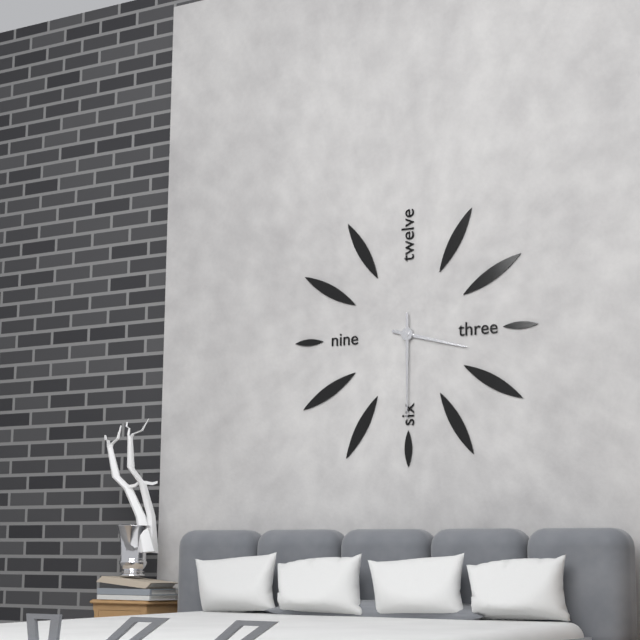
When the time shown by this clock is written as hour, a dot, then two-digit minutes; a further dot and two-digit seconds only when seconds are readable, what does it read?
3.30
